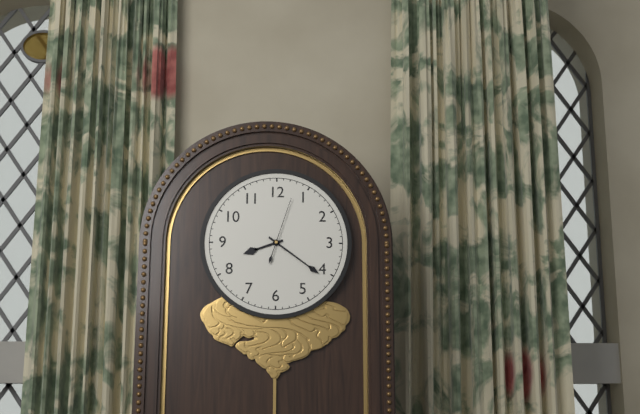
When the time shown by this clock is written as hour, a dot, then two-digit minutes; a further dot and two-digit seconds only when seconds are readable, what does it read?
8.21.03
